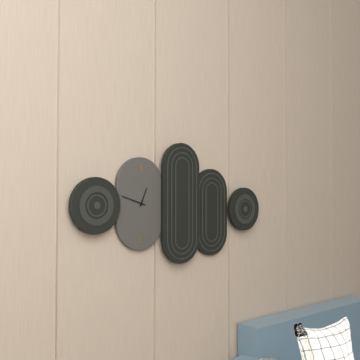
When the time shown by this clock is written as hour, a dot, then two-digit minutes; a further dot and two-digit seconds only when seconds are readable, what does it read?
12.48
